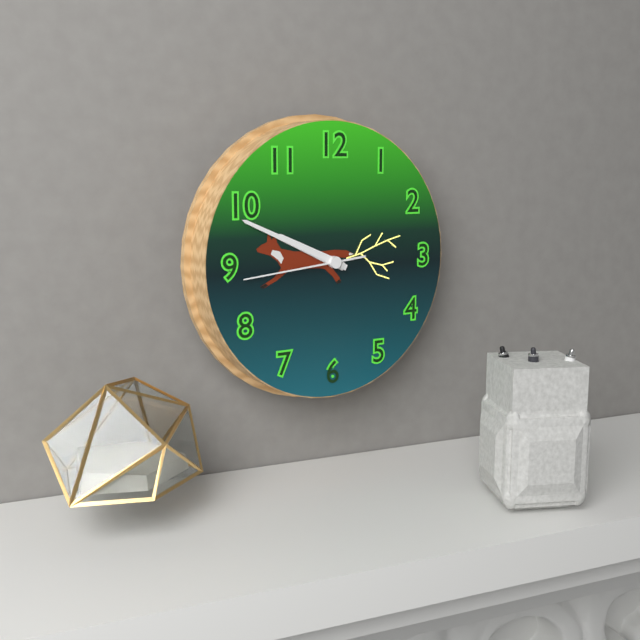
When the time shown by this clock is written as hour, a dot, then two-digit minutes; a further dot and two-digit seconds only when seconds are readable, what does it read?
9.49.44
